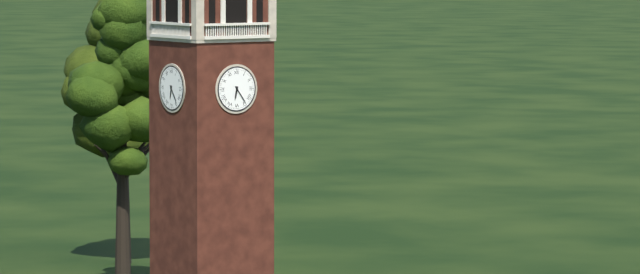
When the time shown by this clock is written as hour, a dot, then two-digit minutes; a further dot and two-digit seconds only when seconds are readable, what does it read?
6.24
